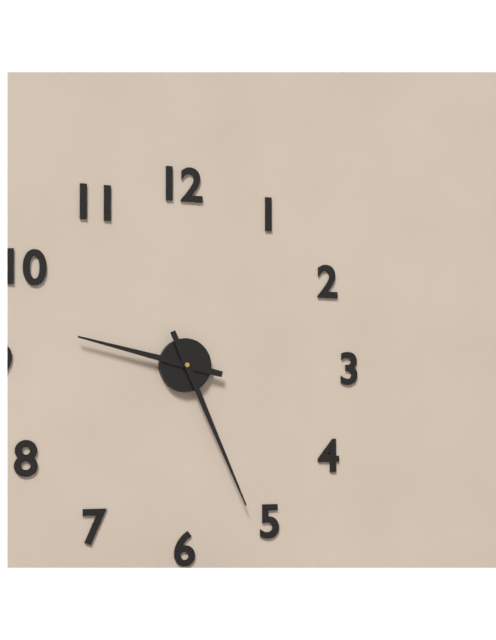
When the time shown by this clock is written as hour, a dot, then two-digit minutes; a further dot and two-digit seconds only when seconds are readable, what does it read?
9.26
